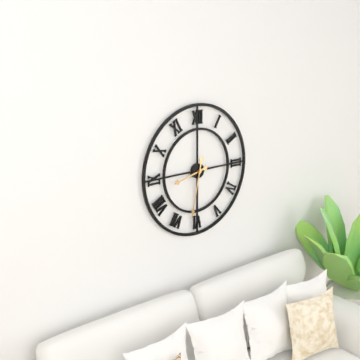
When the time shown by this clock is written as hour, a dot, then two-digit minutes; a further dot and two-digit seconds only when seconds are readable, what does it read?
8.32
